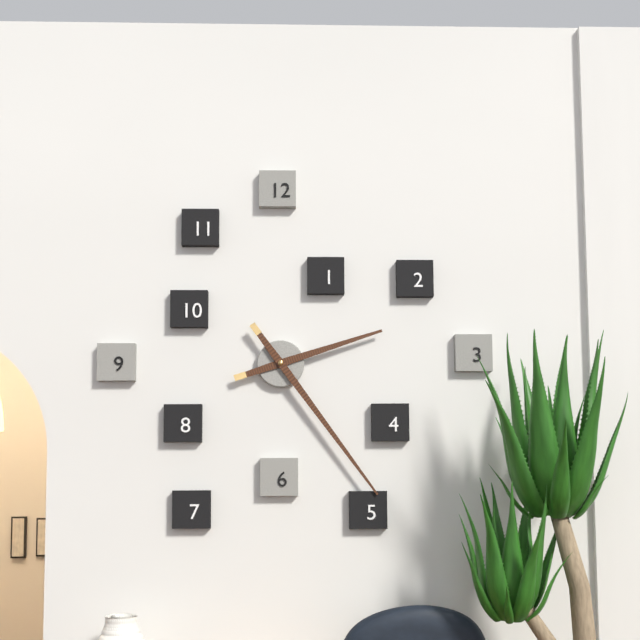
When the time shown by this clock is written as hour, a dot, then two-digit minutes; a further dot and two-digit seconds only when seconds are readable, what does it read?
2.24
